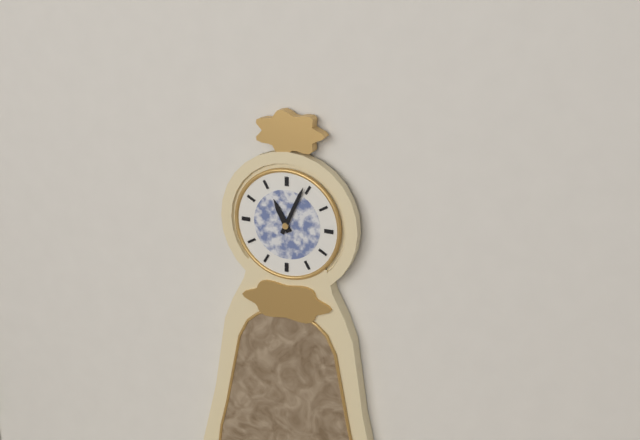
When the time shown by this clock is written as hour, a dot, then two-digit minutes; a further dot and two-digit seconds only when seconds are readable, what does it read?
11.04
